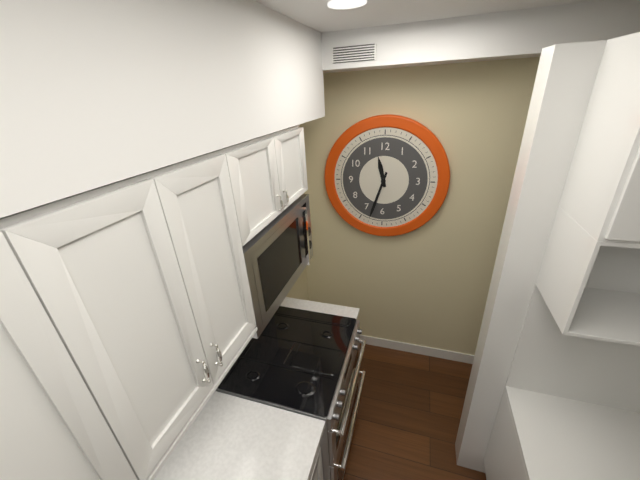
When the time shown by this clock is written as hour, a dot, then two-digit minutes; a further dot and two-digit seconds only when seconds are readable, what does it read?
11.33
